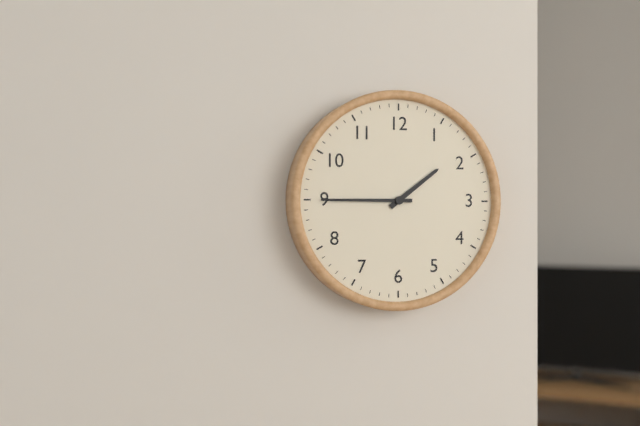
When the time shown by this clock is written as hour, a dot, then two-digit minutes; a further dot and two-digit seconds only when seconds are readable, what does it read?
1.45
